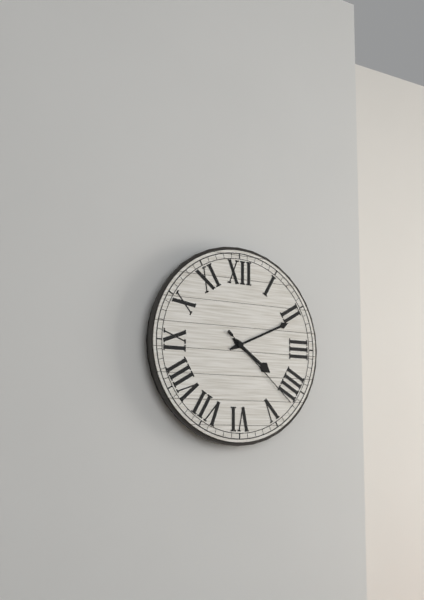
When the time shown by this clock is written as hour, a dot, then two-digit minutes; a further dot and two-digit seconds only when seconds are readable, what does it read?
4.11.22
